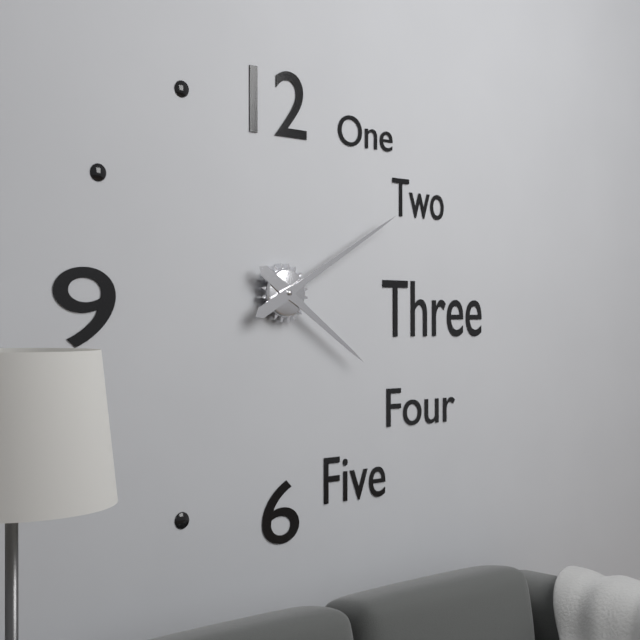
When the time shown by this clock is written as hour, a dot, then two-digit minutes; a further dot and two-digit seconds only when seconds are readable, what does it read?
4.10
